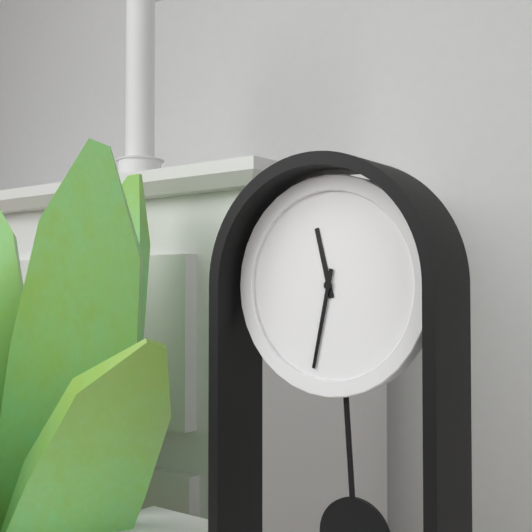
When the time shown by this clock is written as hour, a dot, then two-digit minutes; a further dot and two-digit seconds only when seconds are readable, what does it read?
11.32
